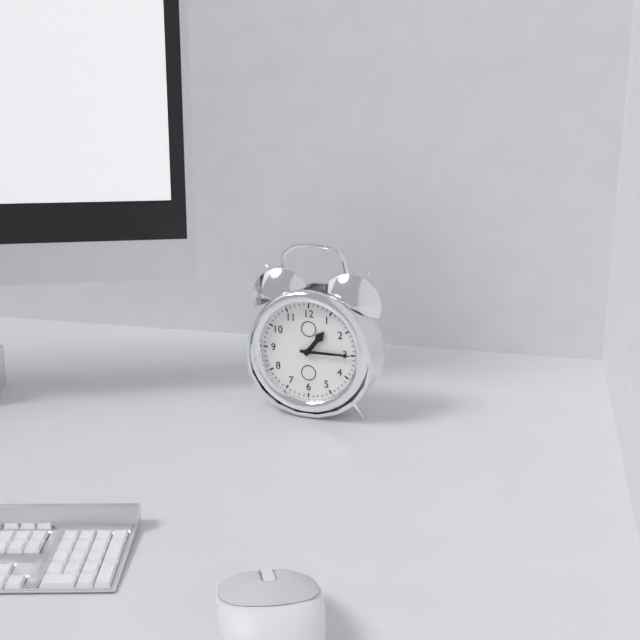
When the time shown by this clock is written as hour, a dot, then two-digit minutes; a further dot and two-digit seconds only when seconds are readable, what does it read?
1.15
